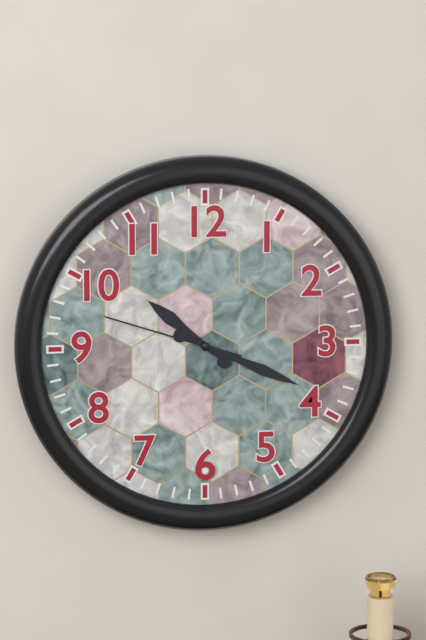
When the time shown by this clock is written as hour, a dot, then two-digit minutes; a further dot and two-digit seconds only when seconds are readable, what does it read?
10.19.48
